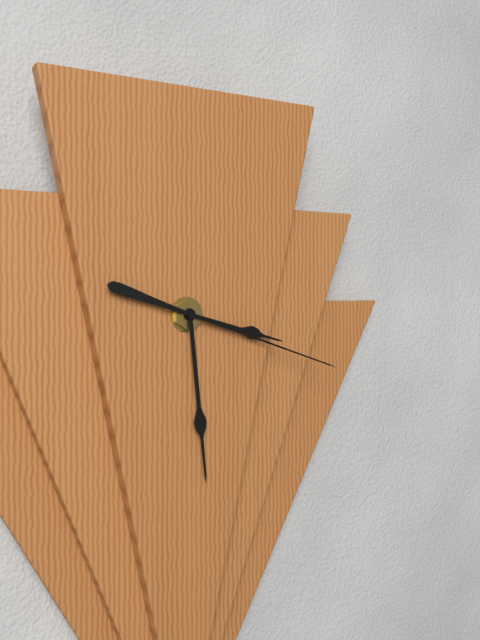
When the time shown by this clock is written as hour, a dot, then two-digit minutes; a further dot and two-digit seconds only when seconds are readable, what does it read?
3.29.18
